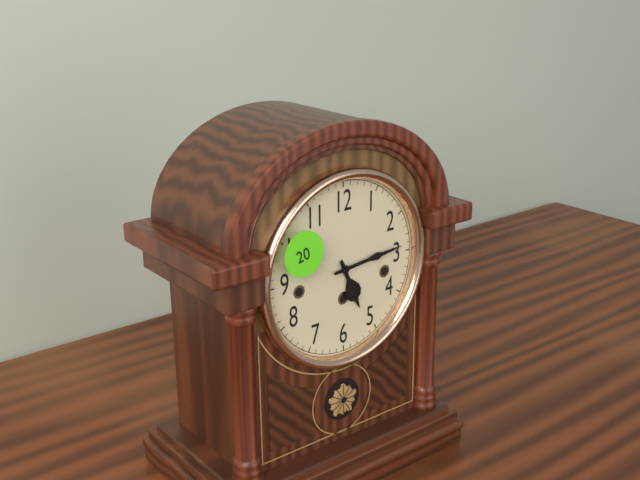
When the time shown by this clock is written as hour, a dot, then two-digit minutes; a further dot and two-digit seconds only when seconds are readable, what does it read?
5.14
